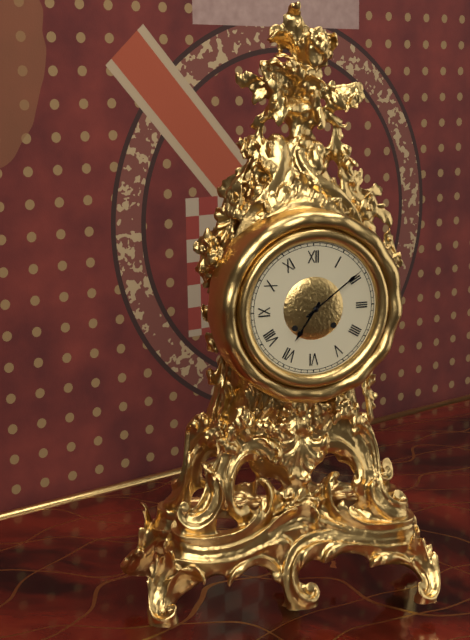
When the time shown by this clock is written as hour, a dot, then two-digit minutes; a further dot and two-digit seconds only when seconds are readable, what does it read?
7.09
